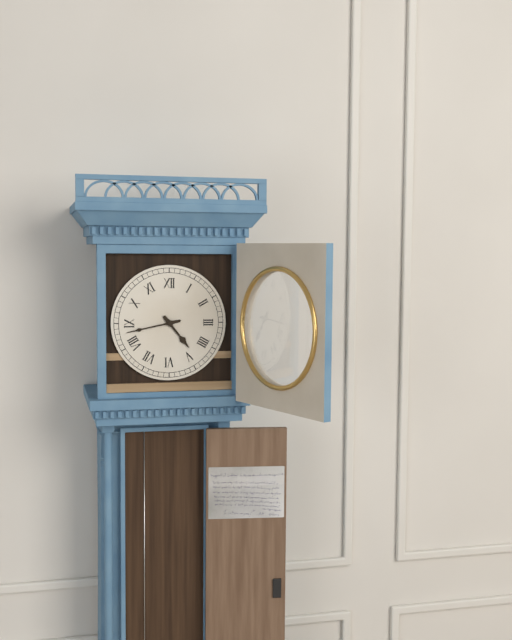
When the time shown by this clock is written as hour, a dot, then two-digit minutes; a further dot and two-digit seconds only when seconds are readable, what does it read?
4.43
